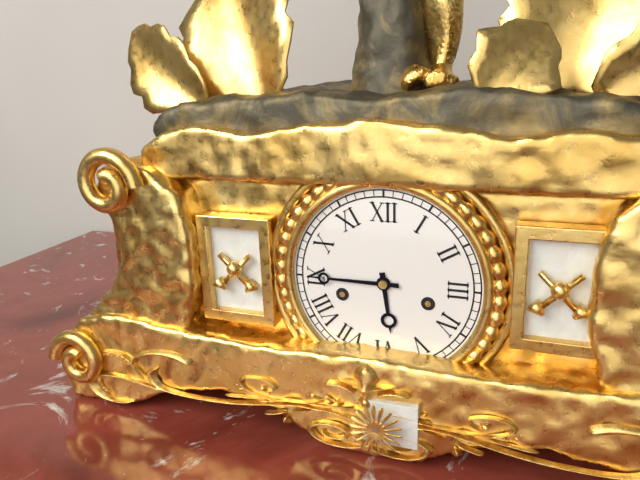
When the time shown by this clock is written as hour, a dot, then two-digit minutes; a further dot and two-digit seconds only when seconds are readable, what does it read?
5.45
